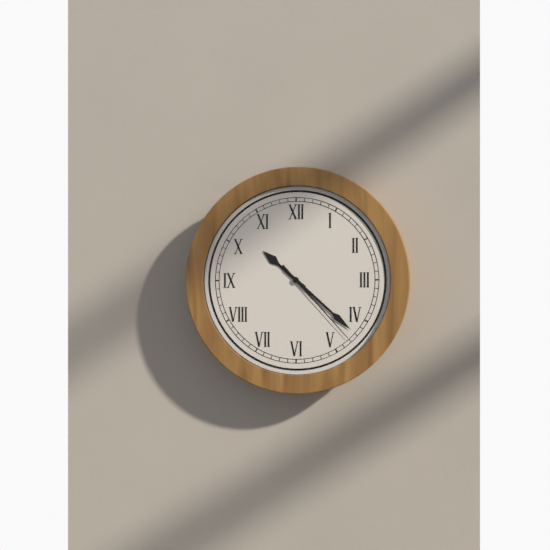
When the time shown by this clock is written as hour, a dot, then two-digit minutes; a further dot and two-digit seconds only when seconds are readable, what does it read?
10.22.23
